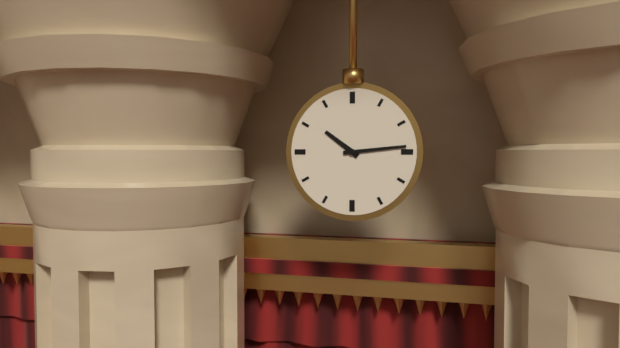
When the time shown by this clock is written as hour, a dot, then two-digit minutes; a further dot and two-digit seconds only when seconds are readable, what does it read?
10.14
